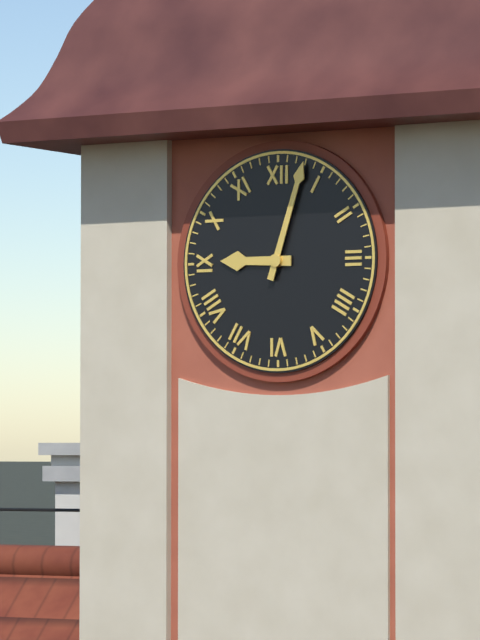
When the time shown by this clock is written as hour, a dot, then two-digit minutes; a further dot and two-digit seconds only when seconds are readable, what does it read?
9.03
